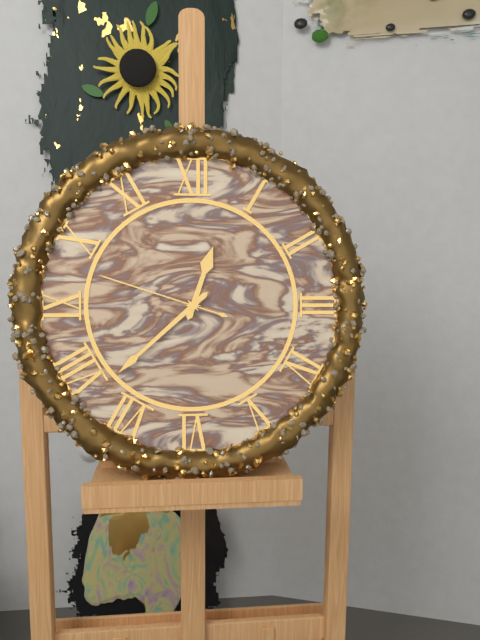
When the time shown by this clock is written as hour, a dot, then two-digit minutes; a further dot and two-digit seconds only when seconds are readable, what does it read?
12.38.48
